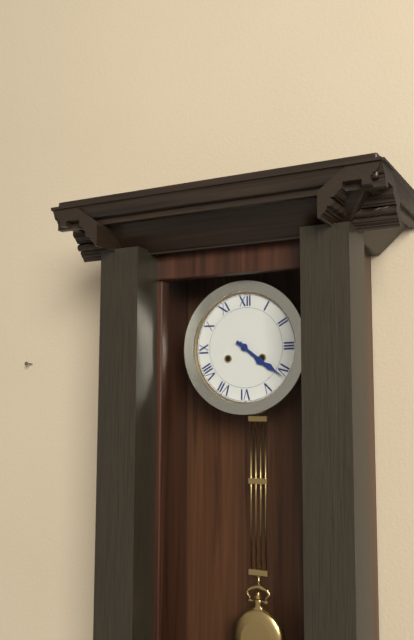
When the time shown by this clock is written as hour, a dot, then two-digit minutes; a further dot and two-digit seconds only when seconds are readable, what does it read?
4.21
